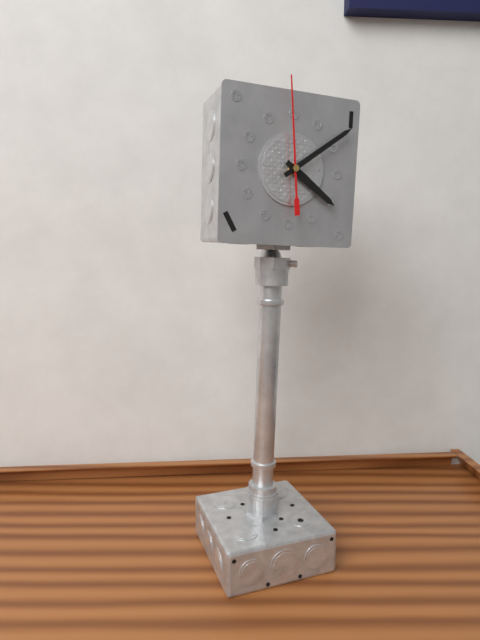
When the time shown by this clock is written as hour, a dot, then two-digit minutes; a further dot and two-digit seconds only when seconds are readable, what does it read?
4.09.59
